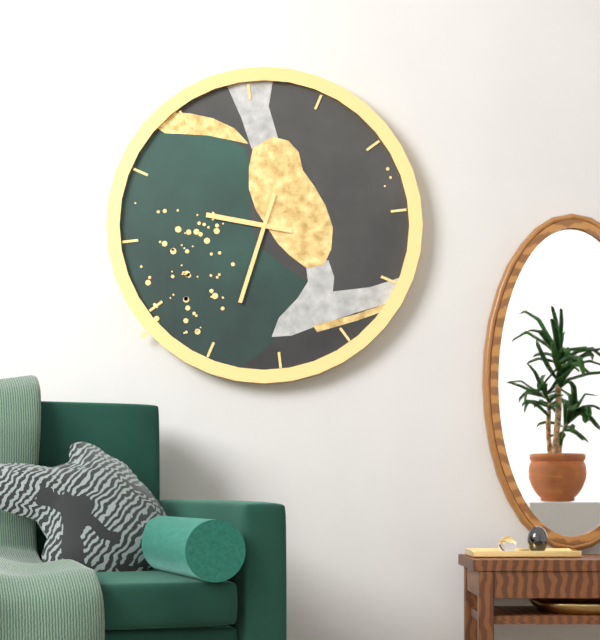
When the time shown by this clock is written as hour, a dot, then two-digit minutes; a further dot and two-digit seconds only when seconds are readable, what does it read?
9.34
